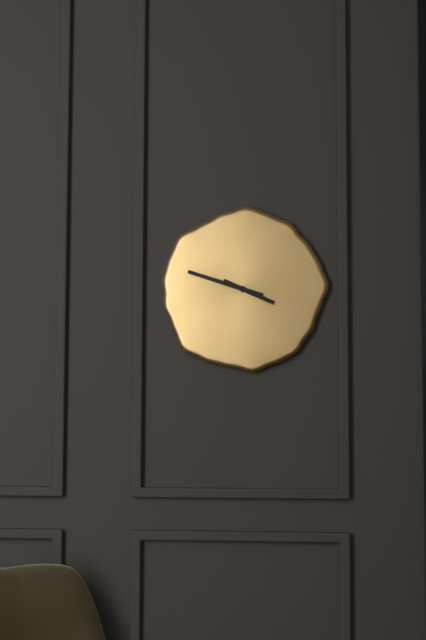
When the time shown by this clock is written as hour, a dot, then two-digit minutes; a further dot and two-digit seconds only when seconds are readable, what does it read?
3.48
